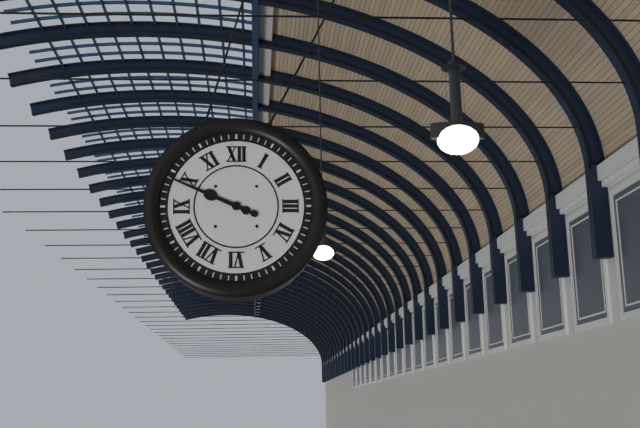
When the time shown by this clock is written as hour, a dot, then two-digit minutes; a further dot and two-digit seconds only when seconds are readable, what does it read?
9.49
